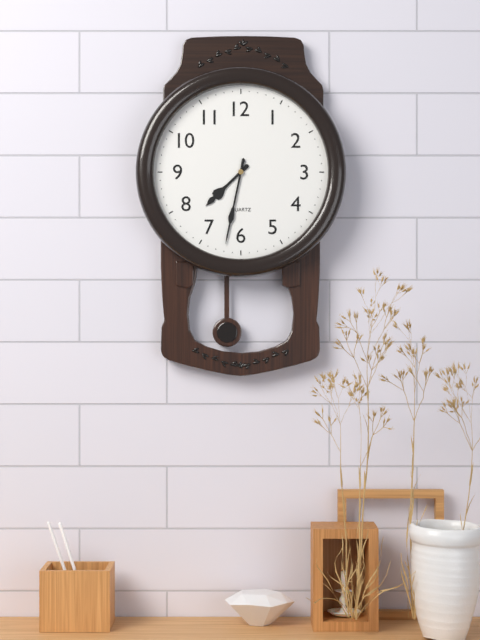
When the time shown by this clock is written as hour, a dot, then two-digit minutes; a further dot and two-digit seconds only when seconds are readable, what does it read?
7.32
